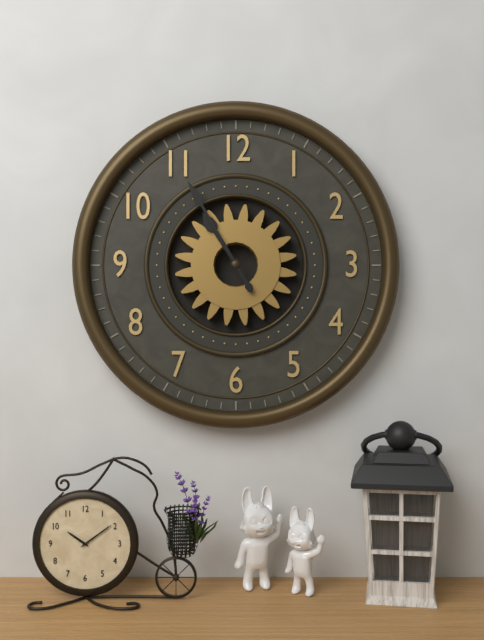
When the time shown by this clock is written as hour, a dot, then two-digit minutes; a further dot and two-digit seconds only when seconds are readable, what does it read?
10.55
